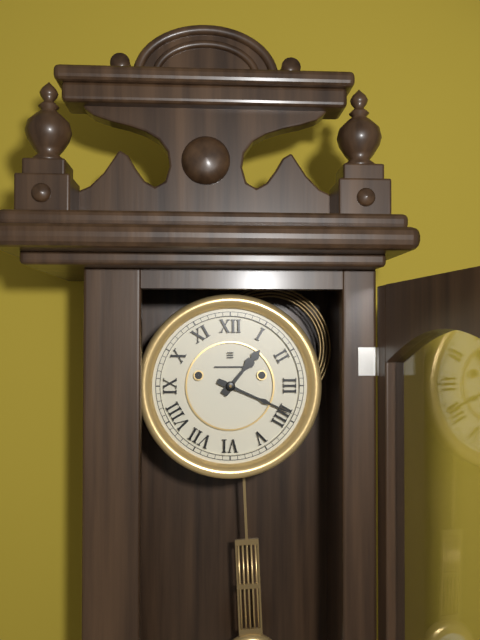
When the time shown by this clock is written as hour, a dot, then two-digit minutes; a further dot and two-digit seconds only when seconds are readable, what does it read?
1.19
